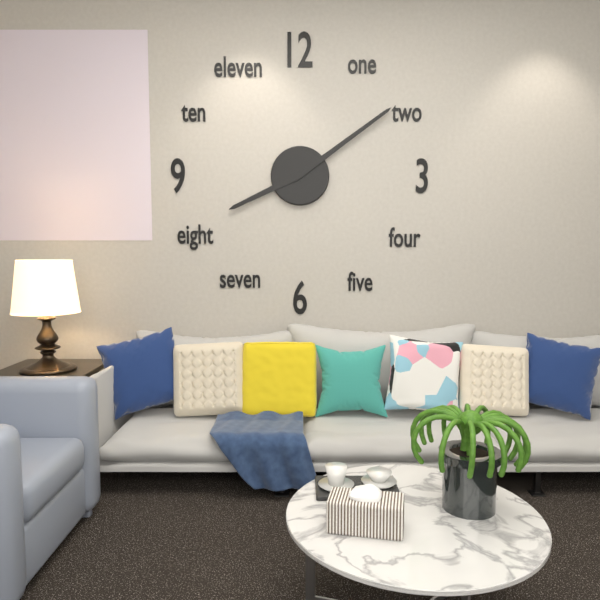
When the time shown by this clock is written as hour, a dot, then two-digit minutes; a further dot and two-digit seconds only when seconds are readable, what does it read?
8.09
